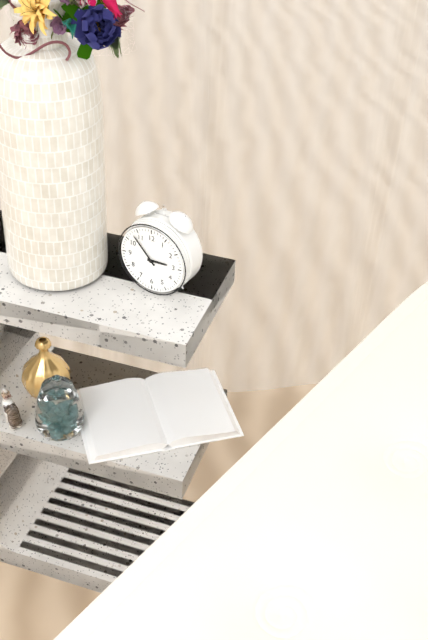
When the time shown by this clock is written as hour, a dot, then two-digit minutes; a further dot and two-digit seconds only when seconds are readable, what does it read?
2.53
